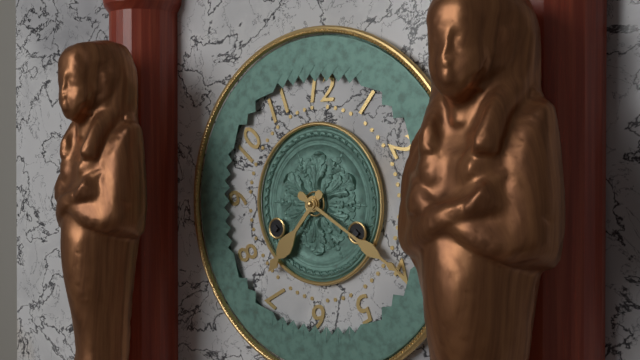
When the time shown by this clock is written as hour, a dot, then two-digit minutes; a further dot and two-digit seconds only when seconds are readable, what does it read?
7.20
